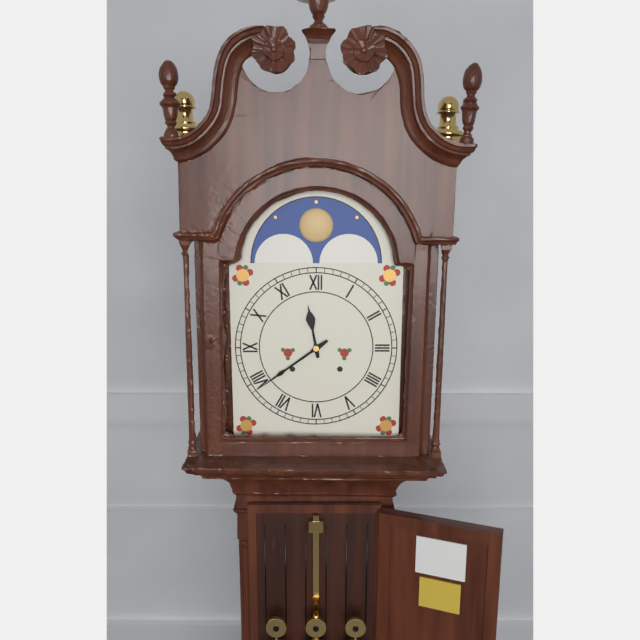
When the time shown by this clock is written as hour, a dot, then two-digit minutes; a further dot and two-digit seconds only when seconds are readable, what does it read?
11.39
